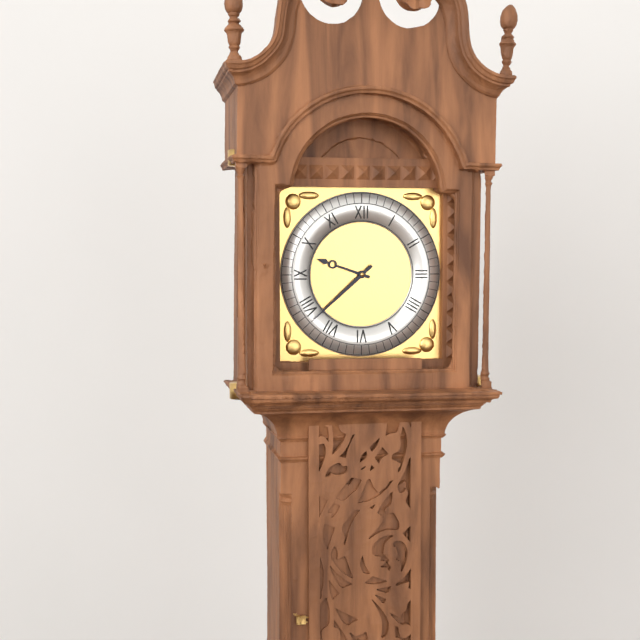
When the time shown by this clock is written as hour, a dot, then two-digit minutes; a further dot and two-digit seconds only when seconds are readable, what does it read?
9.38
